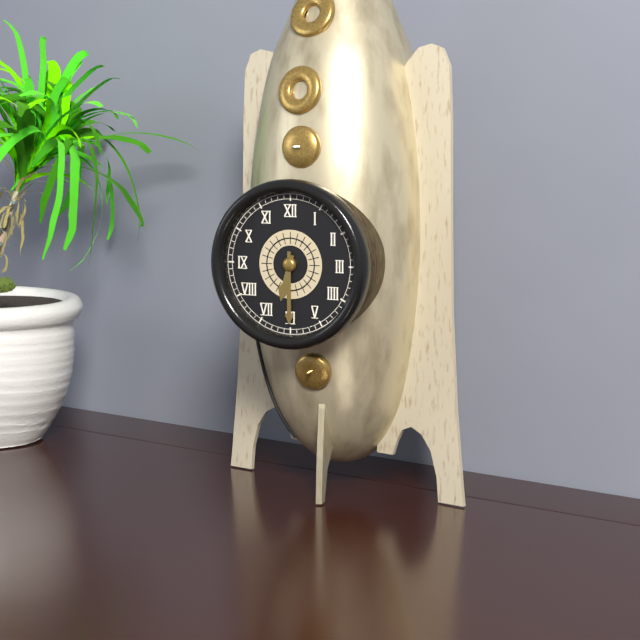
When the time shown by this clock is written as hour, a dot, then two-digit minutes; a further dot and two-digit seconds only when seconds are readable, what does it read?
6.30
